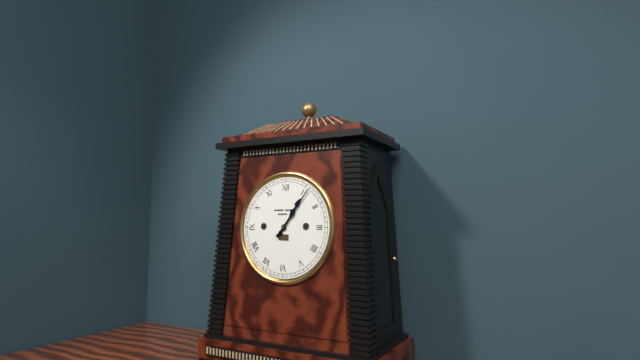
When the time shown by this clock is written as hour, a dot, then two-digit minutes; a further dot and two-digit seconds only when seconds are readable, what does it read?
1.06
